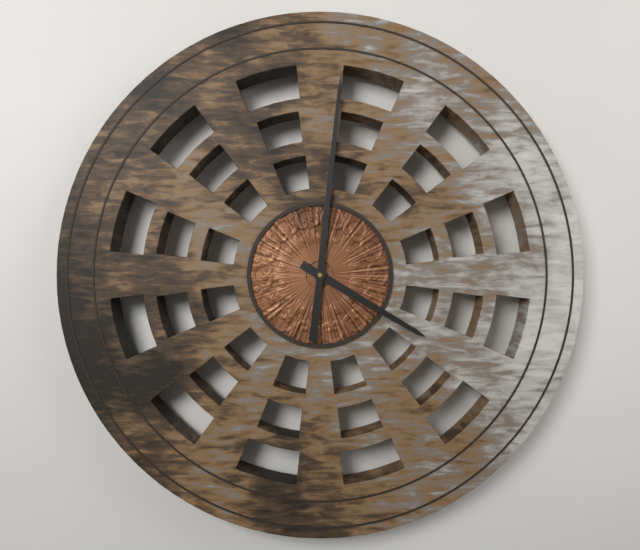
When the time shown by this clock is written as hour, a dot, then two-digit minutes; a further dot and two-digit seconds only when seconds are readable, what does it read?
4.01
